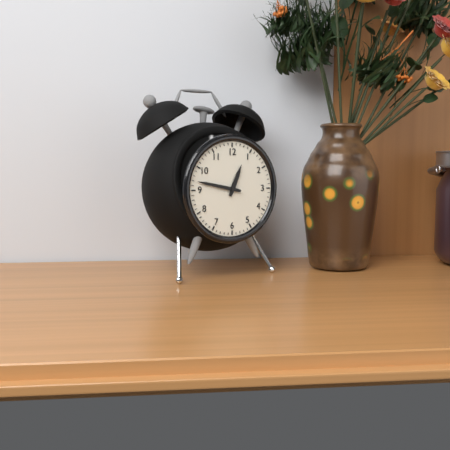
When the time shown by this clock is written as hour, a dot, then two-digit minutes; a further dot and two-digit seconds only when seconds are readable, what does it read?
12.47
